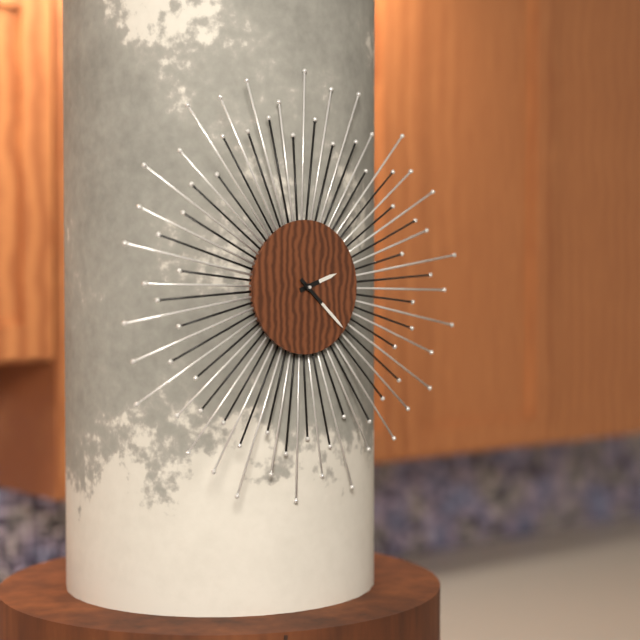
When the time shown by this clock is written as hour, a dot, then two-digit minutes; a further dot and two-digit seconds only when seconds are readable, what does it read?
2.22
